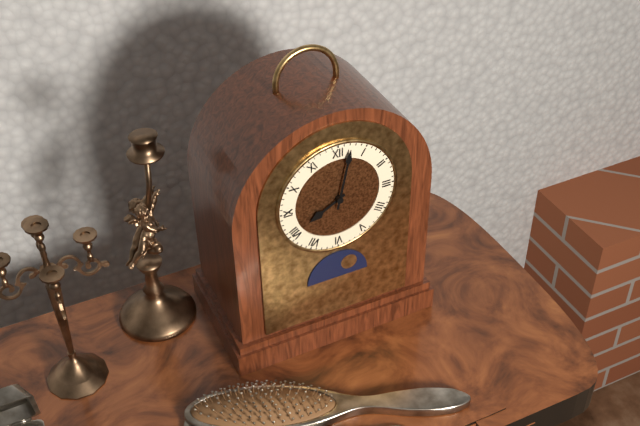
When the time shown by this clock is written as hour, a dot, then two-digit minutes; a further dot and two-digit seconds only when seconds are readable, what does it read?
8.02
